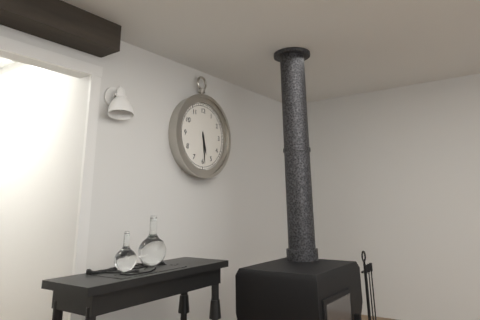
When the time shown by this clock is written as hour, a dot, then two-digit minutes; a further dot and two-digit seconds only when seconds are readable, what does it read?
5.29
